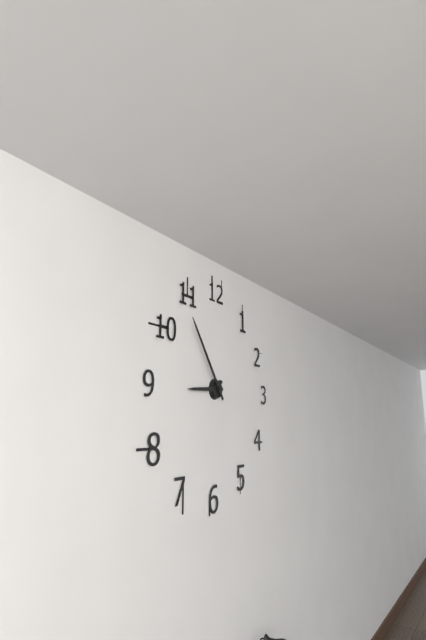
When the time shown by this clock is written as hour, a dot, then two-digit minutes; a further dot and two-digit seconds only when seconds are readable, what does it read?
8.54
